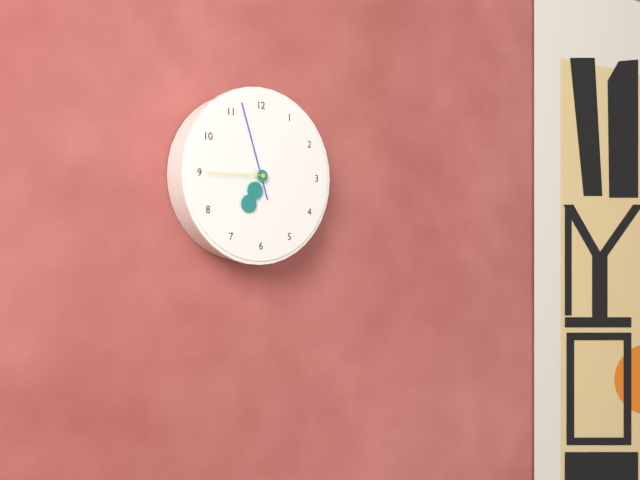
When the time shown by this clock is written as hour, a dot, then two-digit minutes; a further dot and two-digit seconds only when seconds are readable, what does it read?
6.57.45
